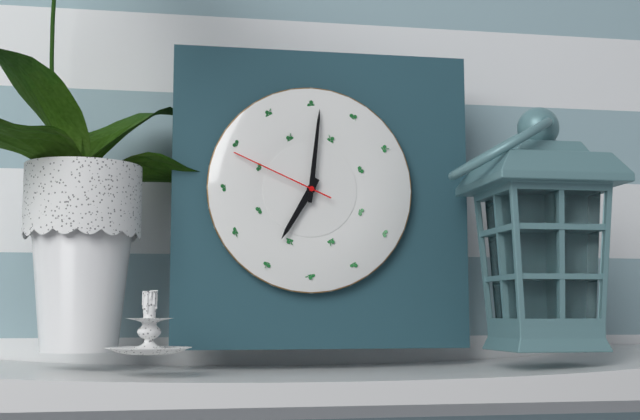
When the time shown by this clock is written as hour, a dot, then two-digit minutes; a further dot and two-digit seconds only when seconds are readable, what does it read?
7.01.49
